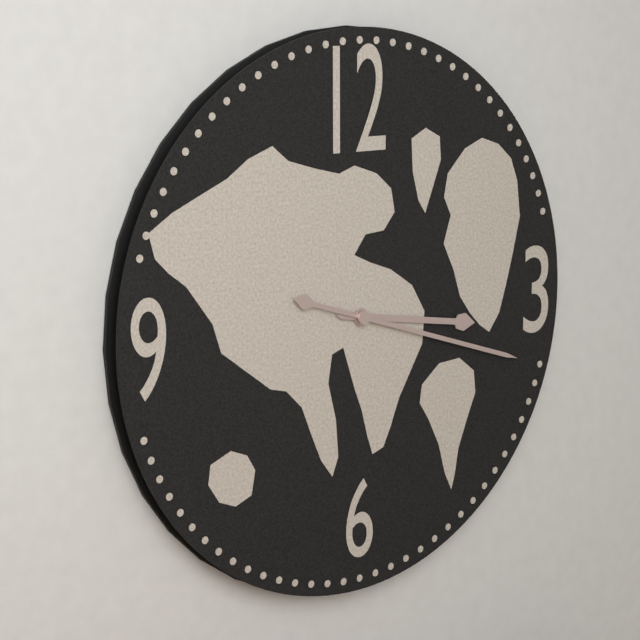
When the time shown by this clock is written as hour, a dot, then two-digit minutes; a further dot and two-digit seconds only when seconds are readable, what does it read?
3.18
